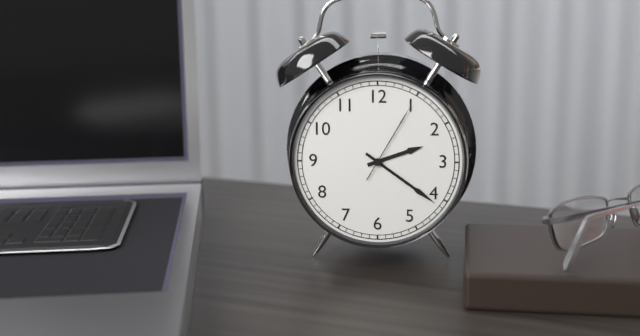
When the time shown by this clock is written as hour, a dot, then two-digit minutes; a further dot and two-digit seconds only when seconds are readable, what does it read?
2.21.05
